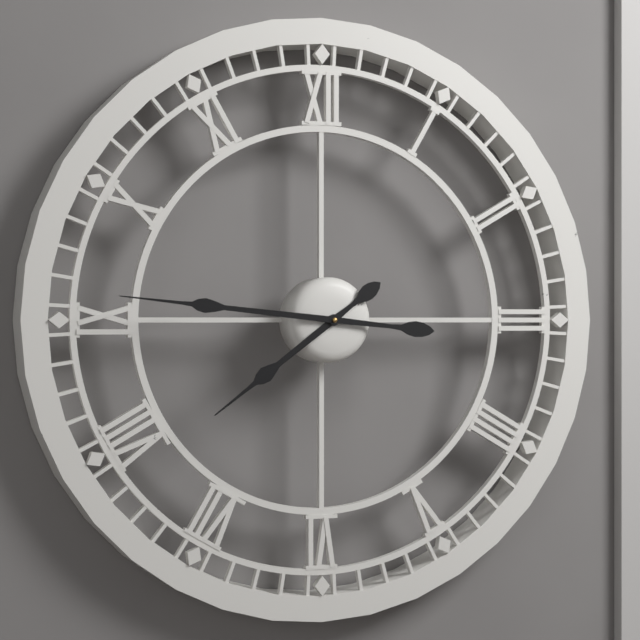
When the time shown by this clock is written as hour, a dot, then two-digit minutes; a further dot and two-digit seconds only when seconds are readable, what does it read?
7.46
